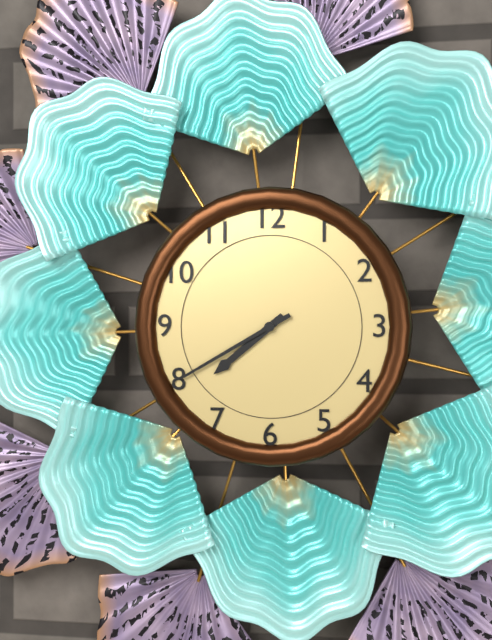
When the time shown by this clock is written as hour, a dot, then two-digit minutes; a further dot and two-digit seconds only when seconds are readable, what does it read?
7.40
